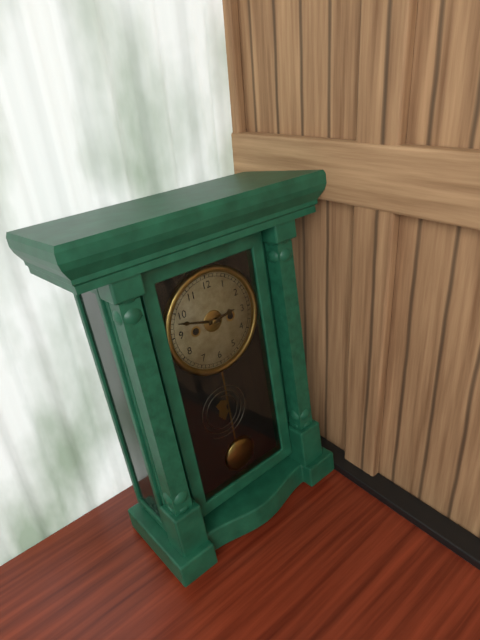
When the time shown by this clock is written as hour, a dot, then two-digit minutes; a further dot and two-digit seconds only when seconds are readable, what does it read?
2.48
